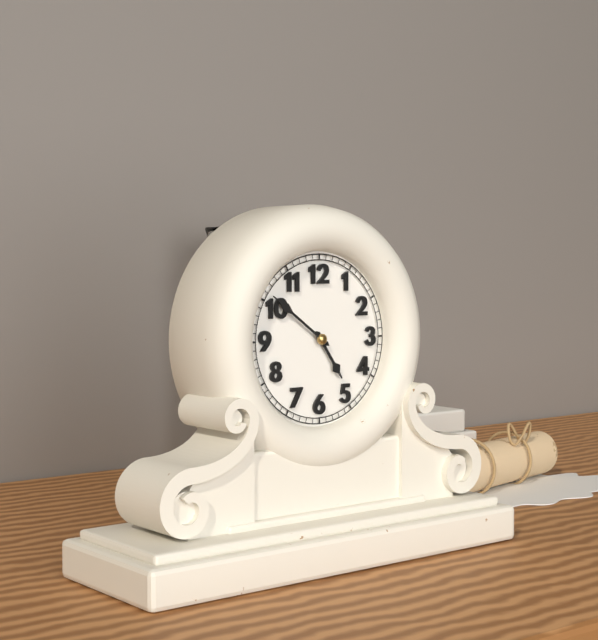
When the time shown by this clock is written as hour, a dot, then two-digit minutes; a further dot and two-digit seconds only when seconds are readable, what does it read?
4.51
